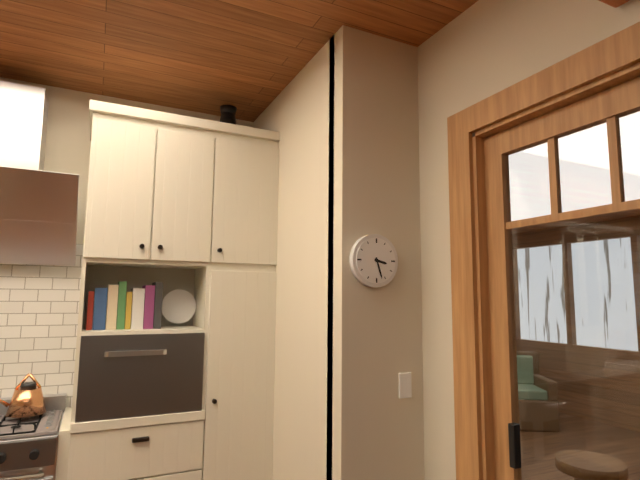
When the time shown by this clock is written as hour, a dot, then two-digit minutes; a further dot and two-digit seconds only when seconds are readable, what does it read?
3.27
